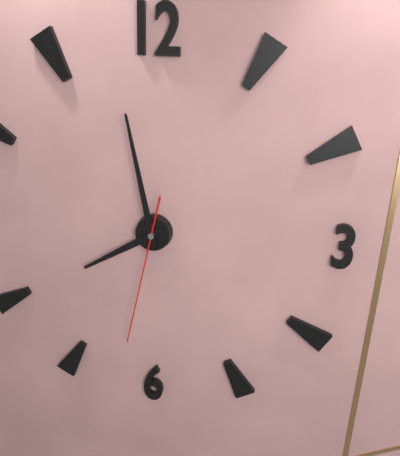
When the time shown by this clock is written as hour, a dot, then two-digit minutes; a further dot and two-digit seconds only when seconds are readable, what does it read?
7.58.32
